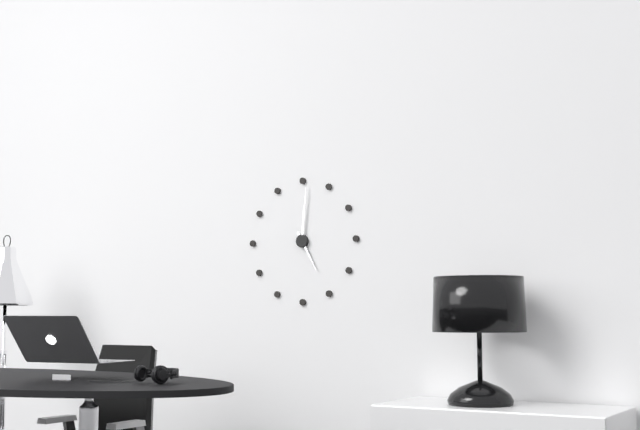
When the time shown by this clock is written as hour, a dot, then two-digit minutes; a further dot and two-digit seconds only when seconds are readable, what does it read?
5.01
